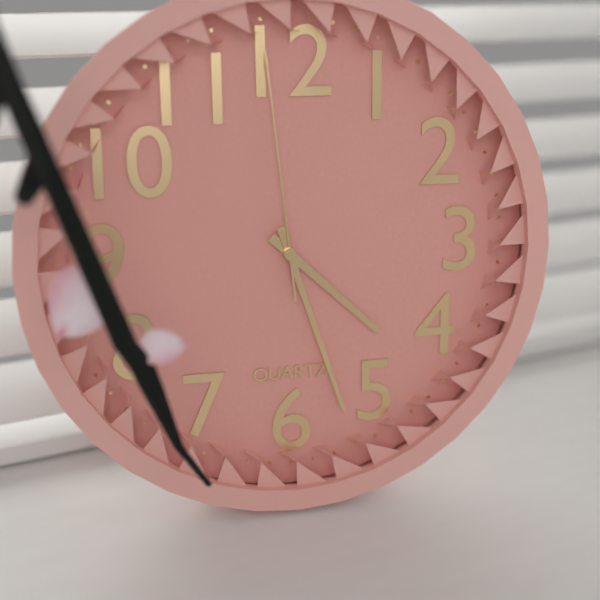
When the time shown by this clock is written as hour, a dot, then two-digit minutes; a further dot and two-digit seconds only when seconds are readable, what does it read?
4.27.59
